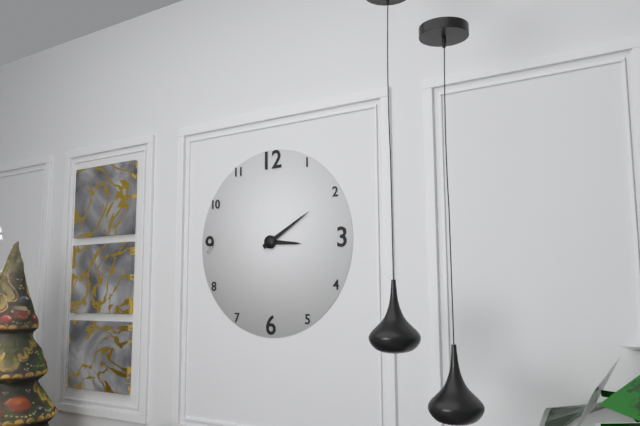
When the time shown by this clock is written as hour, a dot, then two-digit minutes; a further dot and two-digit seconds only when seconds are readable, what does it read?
3.10
